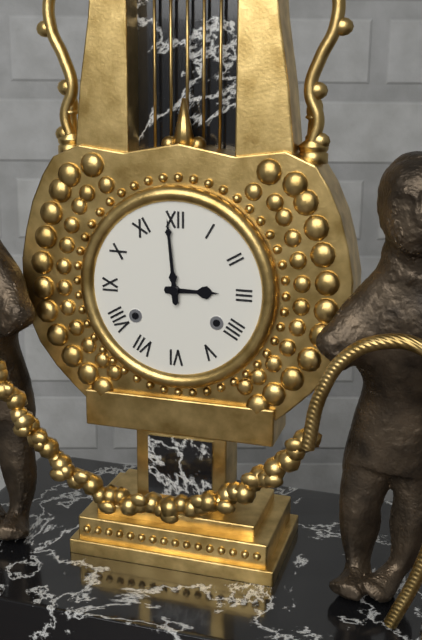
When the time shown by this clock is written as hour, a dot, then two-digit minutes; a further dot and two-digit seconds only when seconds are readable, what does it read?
2.59
